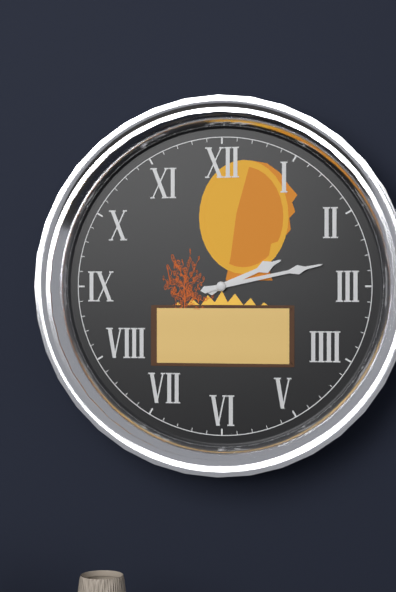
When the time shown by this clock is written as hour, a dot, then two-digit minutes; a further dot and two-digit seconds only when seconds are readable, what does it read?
2.13
